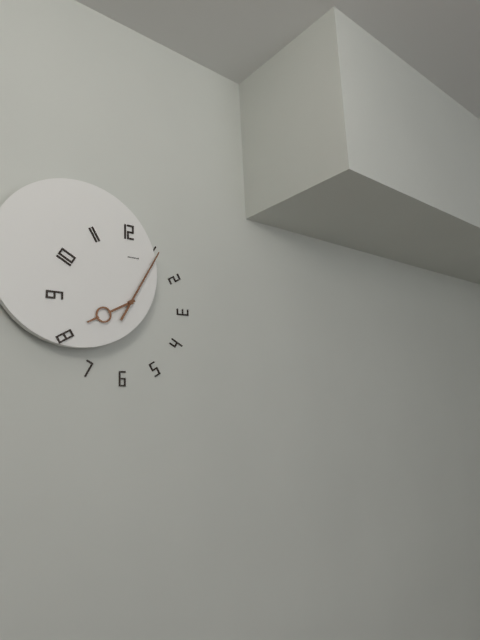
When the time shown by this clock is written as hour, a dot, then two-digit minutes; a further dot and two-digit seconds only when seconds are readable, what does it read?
8.05
